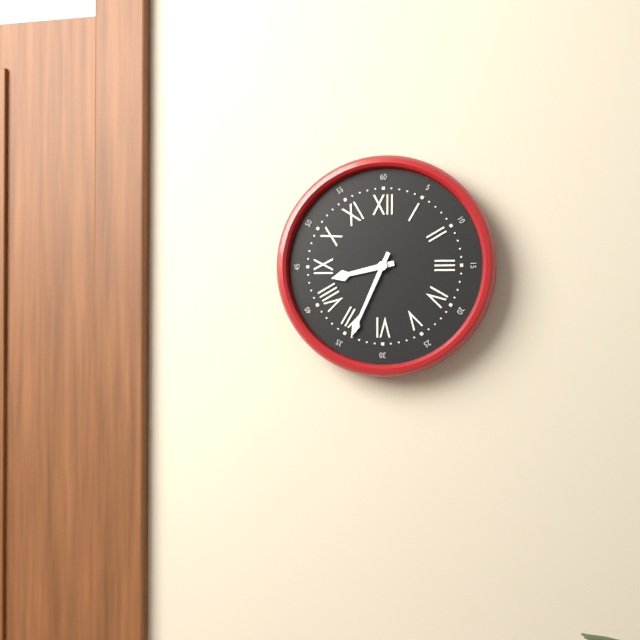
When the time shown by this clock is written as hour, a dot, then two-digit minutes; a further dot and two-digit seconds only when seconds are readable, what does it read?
8.34
